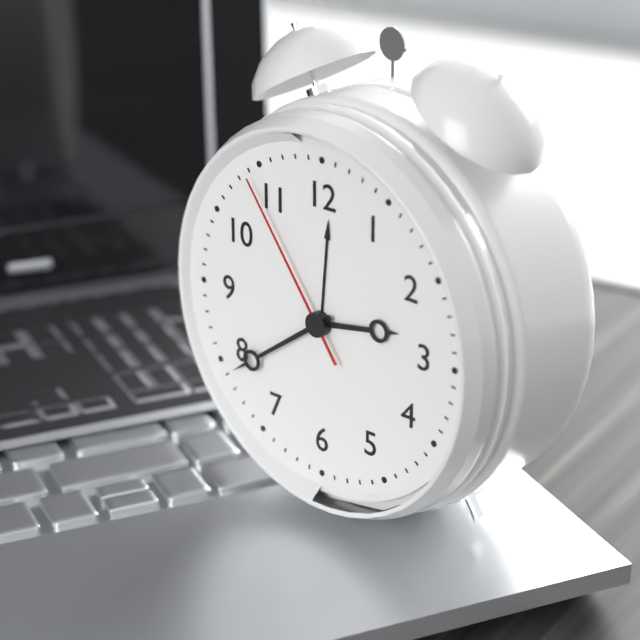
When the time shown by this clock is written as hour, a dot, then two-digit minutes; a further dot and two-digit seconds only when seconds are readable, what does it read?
2.39.54
